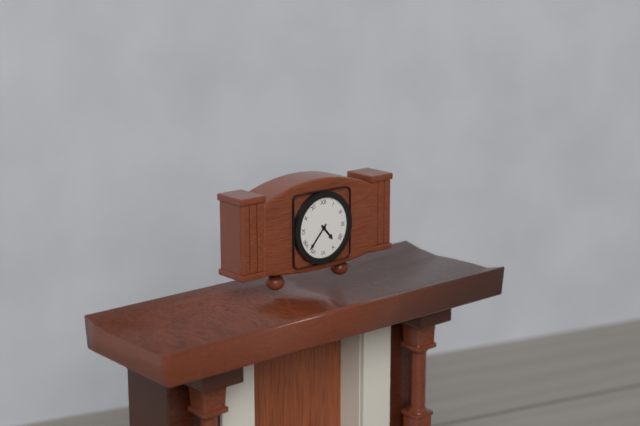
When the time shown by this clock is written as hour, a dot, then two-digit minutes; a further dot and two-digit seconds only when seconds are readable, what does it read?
4.37
